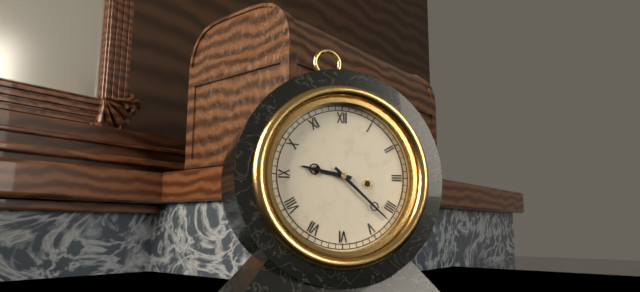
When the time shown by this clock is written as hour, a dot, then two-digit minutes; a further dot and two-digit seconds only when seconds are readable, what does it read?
9.22
